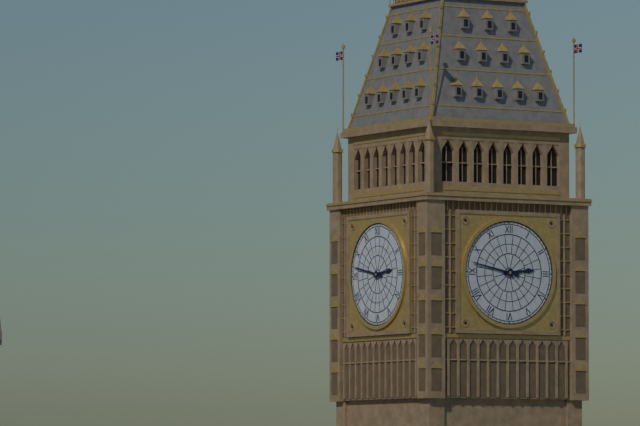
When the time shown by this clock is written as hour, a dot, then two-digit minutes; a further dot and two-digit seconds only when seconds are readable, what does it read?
2.47
